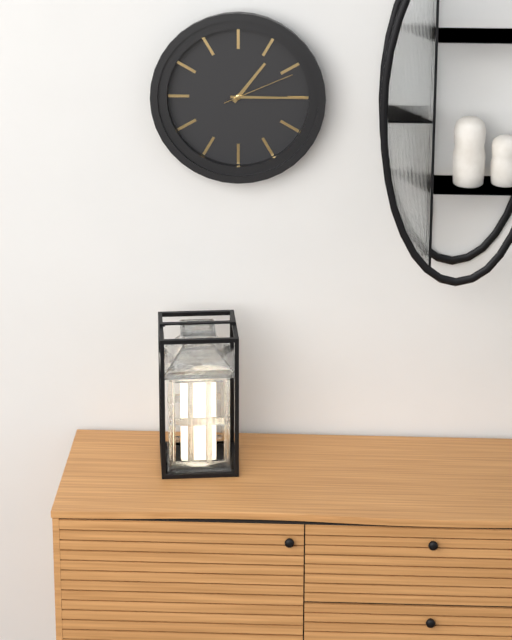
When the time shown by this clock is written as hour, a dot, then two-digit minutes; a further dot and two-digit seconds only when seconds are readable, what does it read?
1.15.11
